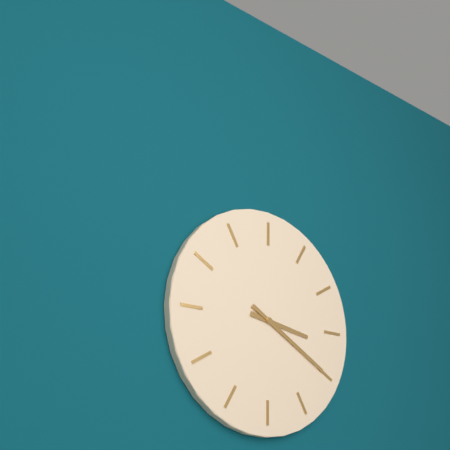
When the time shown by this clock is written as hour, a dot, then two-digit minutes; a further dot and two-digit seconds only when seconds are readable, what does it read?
3.20
